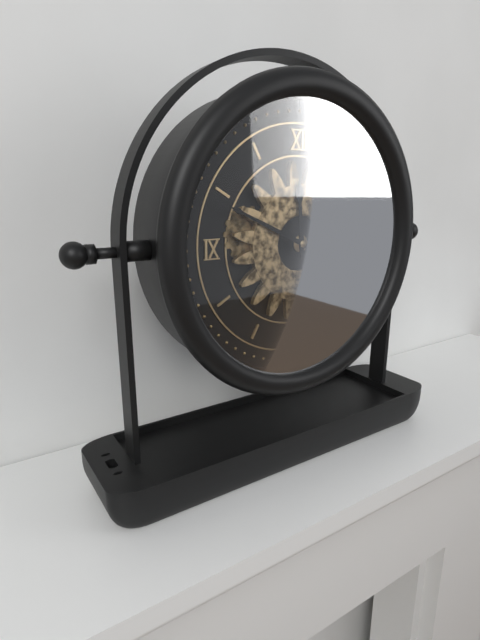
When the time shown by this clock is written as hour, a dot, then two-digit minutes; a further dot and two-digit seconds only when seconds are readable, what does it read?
11.49
